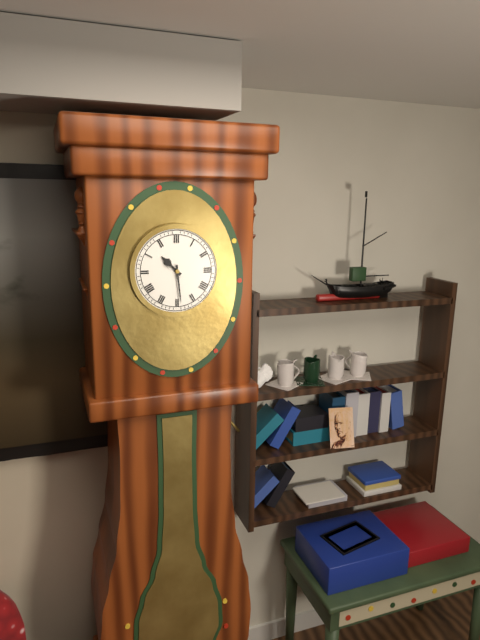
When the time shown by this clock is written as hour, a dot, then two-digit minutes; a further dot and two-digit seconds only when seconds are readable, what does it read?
10.29
